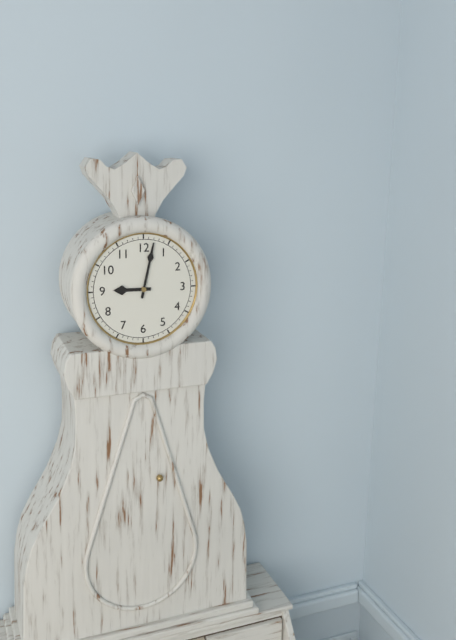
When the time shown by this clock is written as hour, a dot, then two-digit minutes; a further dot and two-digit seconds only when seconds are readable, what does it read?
9.02
